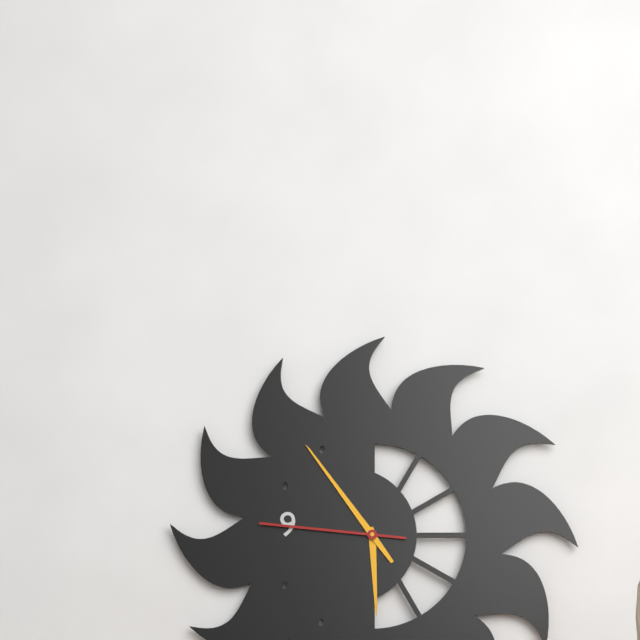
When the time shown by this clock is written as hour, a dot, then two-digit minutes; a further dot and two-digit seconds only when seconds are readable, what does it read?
5.54.46
